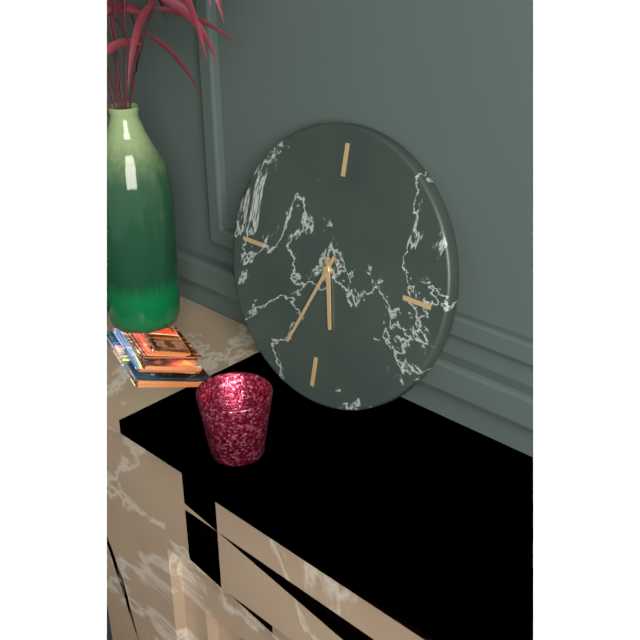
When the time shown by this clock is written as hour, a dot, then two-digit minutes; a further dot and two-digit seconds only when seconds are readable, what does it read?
5.34
